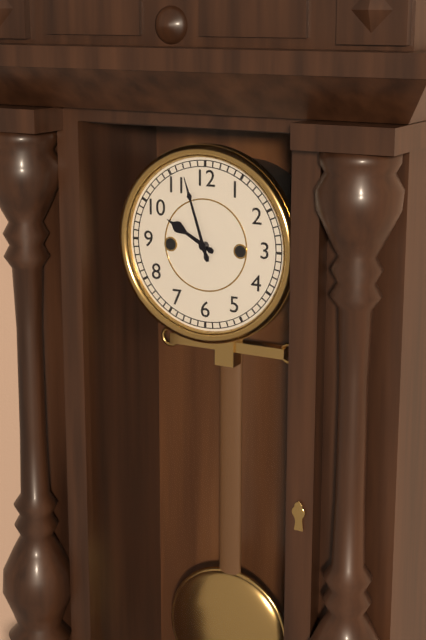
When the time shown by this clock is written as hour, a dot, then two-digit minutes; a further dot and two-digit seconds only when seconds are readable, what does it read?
9.57
